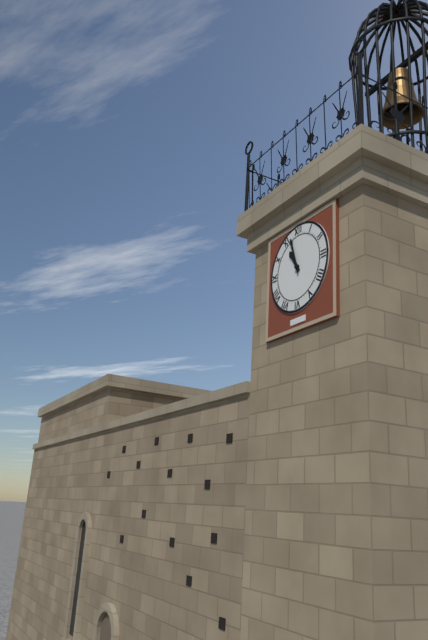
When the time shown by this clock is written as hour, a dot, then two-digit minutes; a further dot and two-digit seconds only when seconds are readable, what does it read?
10.57
